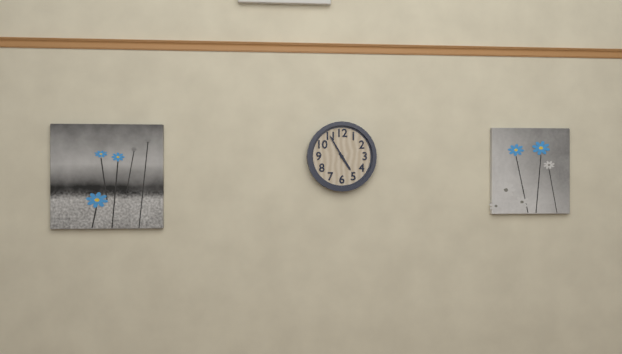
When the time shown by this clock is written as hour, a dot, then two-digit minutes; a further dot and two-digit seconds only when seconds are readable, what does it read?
4.55
